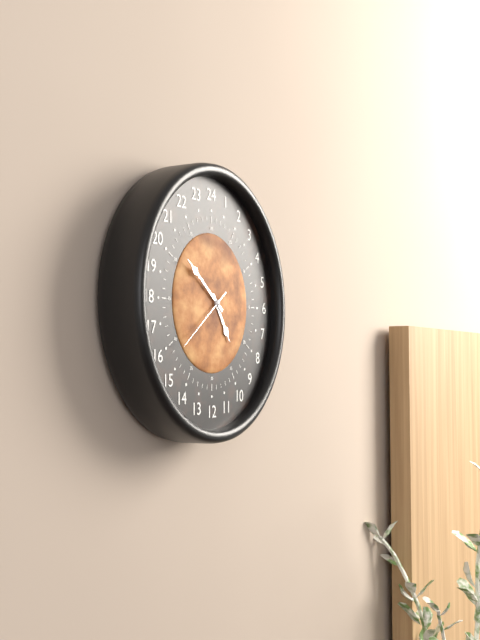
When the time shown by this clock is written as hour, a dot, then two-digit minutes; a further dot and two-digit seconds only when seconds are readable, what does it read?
4.51.39
